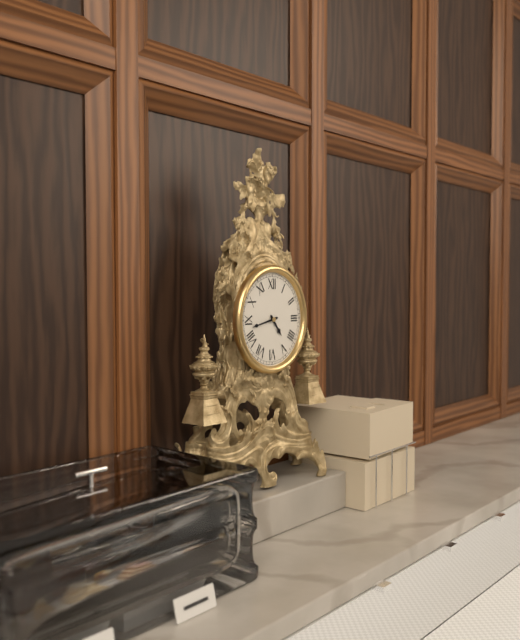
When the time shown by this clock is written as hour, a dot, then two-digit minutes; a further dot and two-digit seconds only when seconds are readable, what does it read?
4.43
